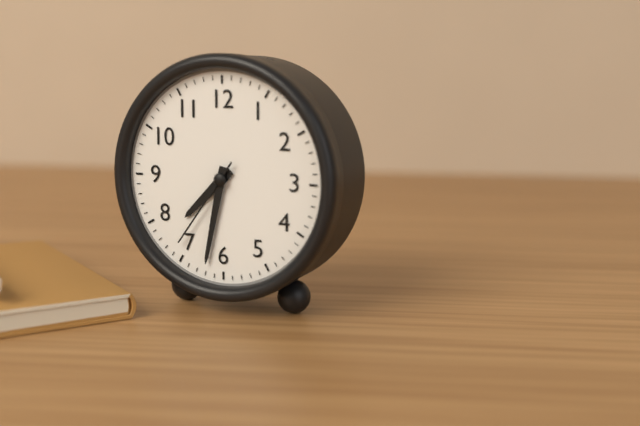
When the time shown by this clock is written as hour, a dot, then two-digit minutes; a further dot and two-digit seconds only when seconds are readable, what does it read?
7.32.36
